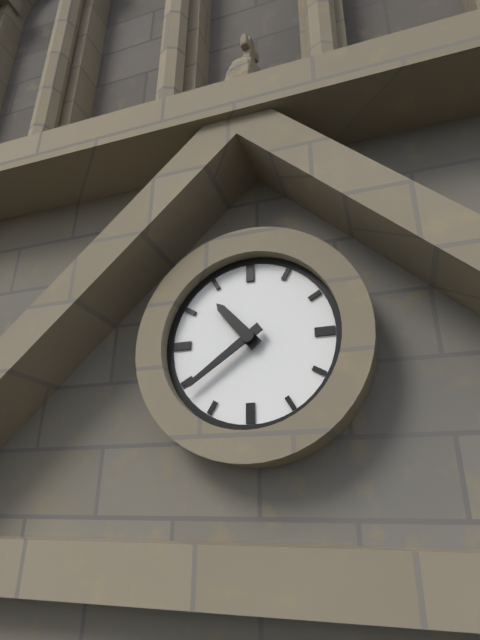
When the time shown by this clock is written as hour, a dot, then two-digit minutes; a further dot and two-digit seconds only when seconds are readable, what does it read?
10.39
